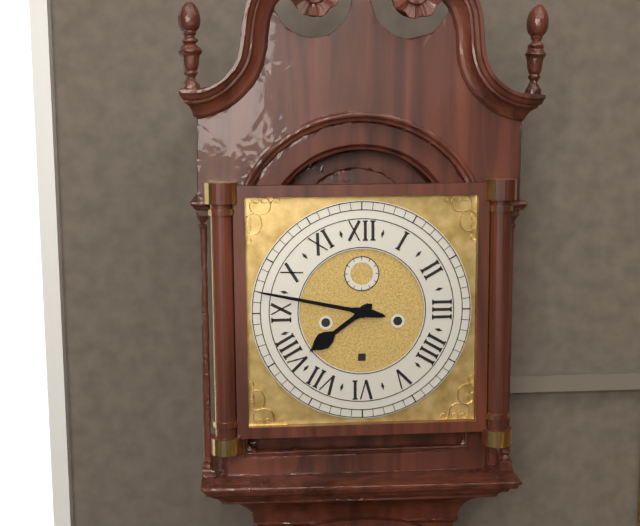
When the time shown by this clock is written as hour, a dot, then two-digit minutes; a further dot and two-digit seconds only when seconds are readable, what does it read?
7.47
